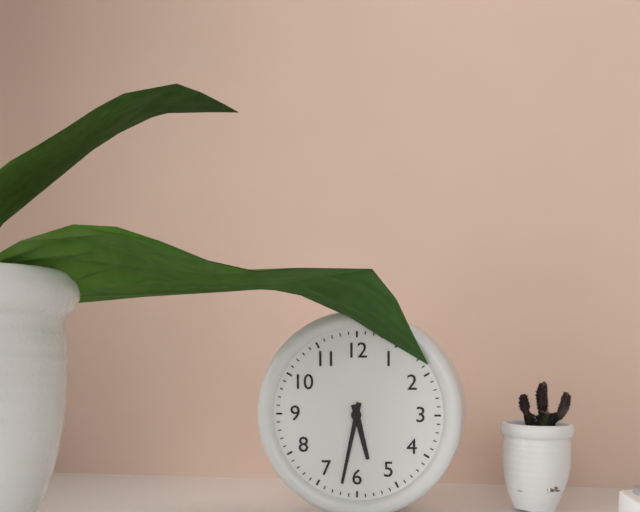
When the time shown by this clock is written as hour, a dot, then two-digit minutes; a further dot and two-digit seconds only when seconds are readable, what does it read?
5.32
